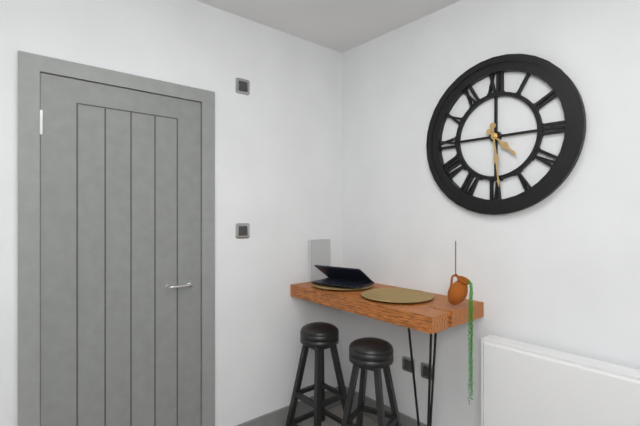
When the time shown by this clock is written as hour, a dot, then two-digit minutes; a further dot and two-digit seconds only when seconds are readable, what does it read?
4.29
